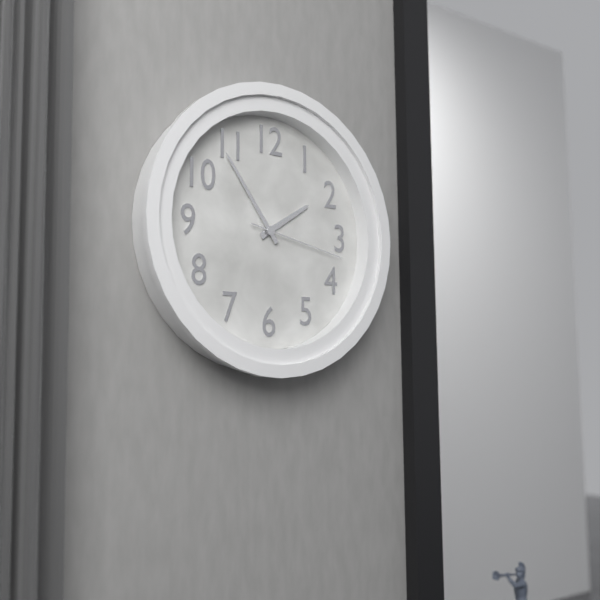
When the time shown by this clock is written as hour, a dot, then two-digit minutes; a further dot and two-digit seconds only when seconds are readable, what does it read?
1.54.17
